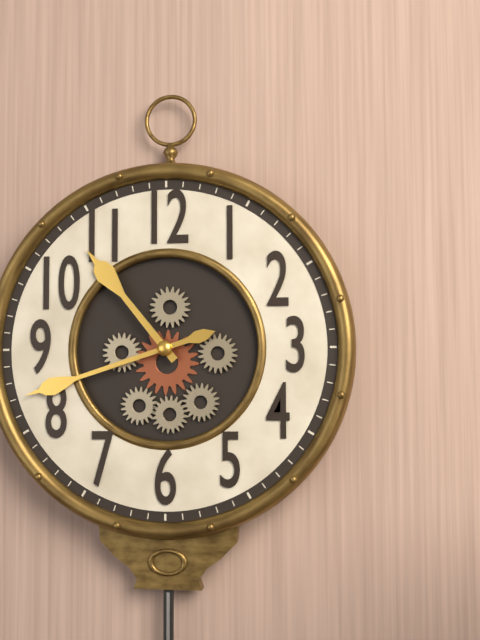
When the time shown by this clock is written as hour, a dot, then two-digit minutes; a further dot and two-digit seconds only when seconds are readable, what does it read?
10.42
